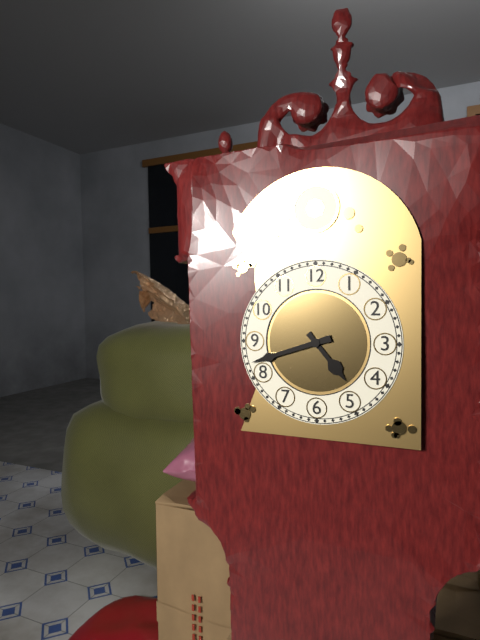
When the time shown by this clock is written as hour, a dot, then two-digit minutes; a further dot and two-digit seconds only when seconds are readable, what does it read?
4.42
